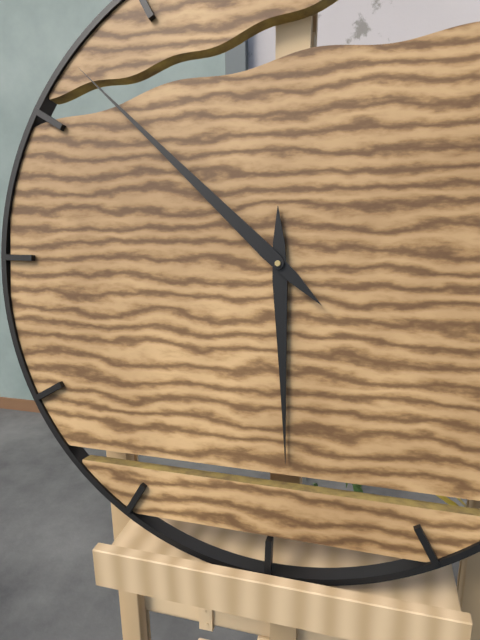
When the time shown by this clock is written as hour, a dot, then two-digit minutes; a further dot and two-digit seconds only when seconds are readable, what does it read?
5.52
